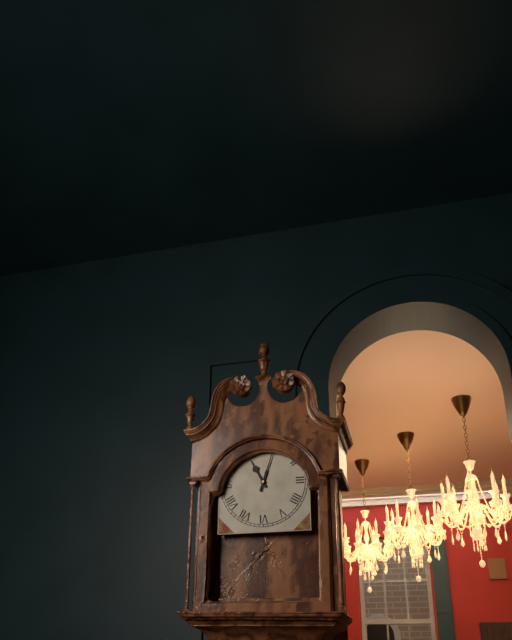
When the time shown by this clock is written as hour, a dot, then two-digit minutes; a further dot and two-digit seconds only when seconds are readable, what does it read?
11.03
